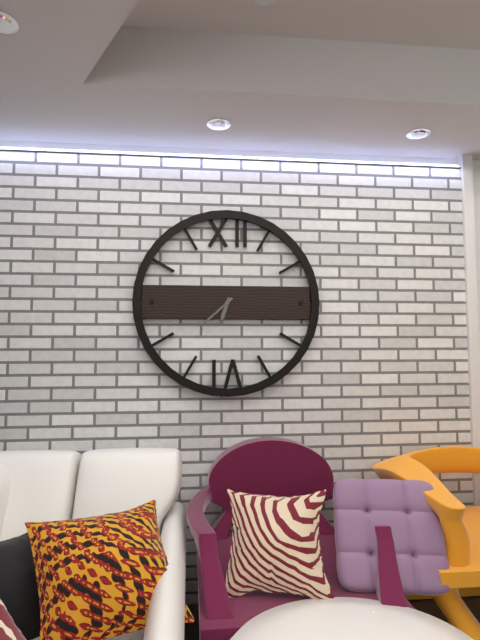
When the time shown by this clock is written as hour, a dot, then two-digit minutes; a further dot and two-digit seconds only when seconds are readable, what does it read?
6.38
